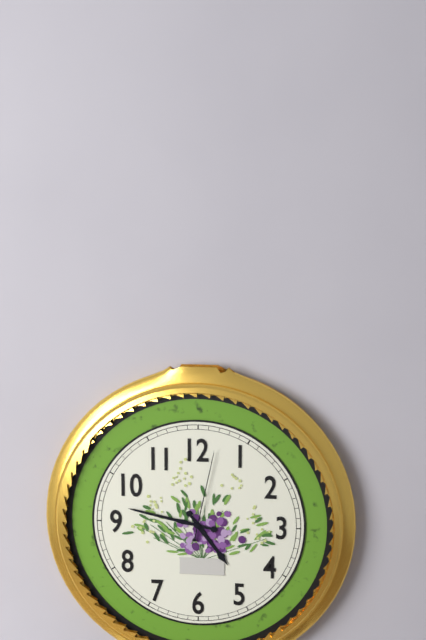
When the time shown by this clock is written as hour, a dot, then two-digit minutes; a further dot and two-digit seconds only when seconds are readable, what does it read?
4.47.02
